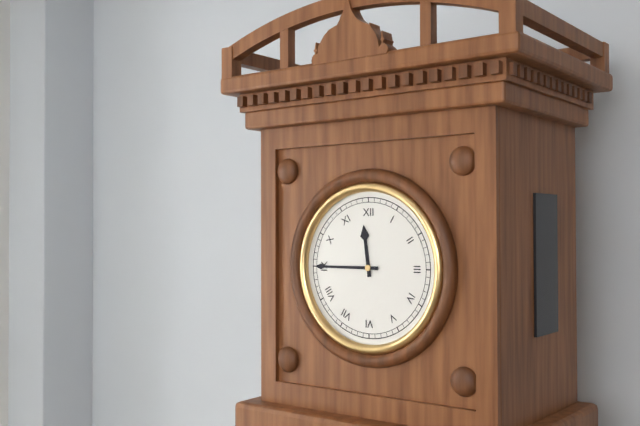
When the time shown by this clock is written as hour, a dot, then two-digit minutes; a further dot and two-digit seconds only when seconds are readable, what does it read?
11.45
